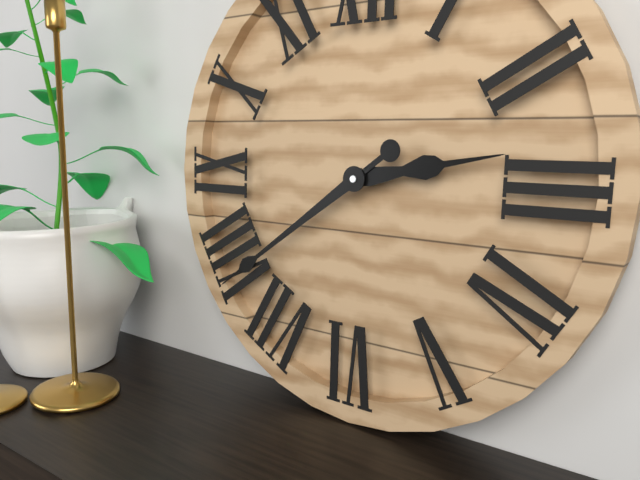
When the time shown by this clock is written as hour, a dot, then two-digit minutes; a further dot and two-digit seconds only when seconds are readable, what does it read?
2.39
